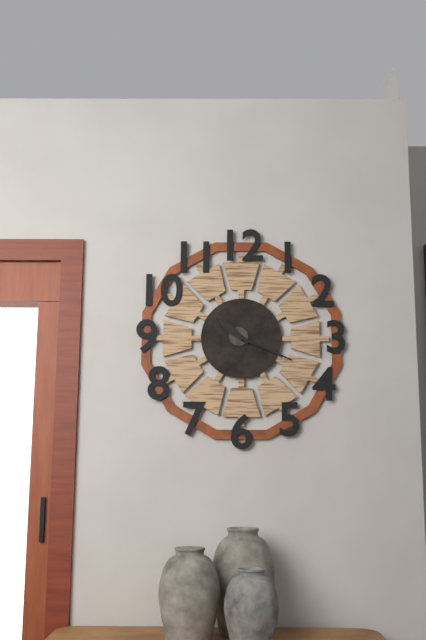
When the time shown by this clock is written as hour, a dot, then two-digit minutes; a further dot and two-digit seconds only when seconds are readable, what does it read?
10.19
